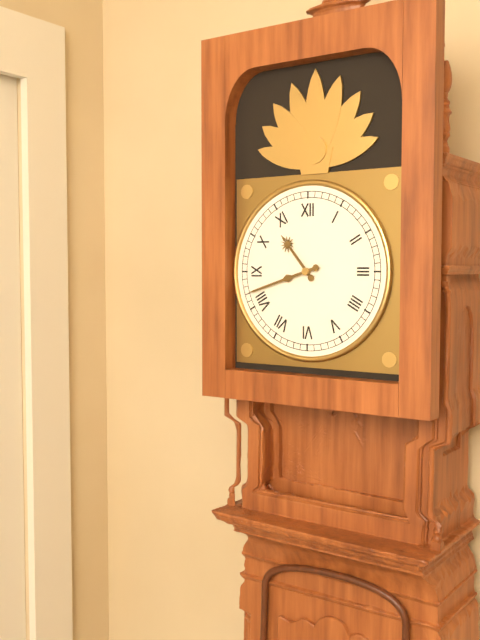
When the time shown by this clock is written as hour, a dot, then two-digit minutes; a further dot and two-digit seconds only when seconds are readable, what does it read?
10.42
